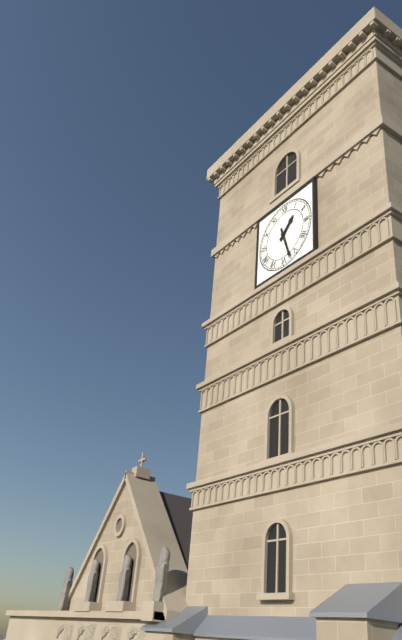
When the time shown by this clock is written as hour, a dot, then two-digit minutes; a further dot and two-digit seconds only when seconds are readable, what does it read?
1.27
